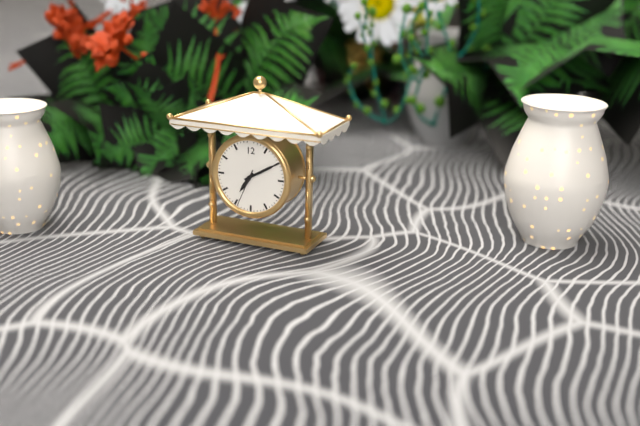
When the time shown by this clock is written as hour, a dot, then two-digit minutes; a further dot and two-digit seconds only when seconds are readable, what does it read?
7.10
